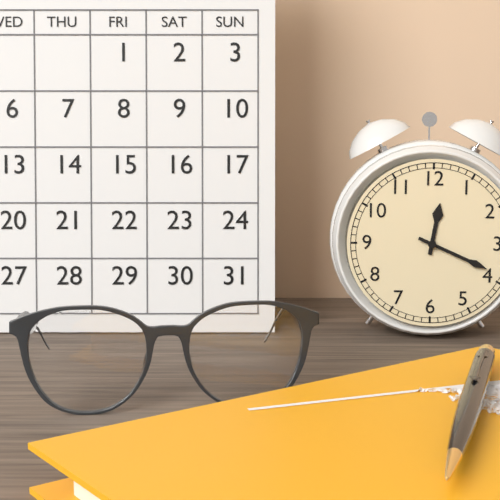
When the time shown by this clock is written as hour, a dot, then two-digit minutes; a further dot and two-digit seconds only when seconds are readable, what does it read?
12.19
